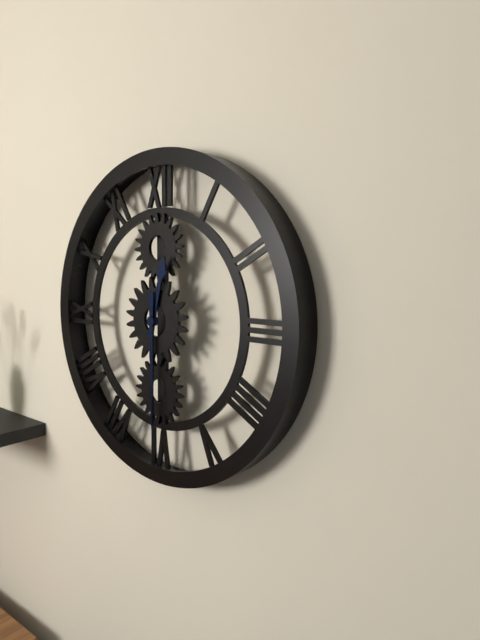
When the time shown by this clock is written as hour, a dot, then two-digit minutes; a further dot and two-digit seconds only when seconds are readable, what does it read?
12.30
